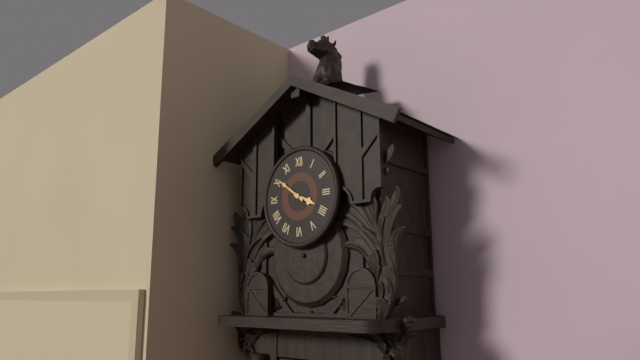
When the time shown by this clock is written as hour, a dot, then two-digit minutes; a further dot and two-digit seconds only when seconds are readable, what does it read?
3.51
